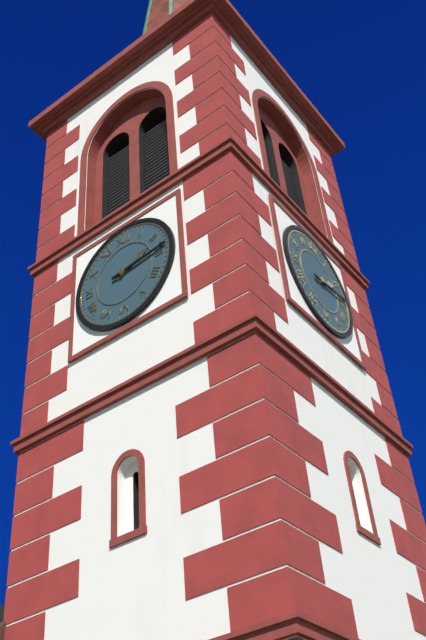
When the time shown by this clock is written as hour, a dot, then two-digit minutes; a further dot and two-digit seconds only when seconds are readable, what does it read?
2.14
